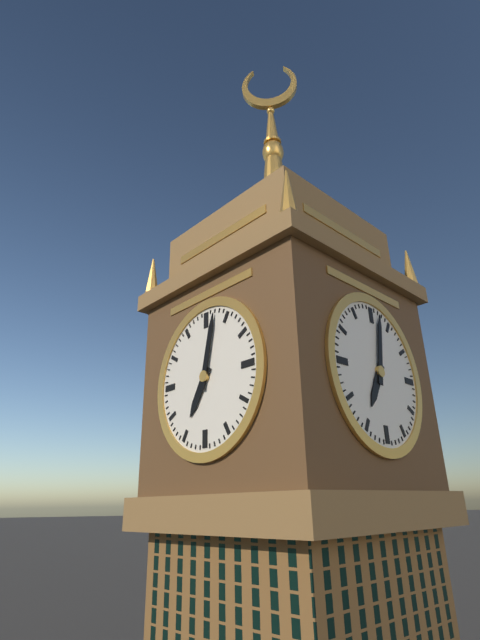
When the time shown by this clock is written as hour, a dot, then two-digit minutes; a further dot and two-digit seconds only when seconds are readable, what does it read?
7.02
